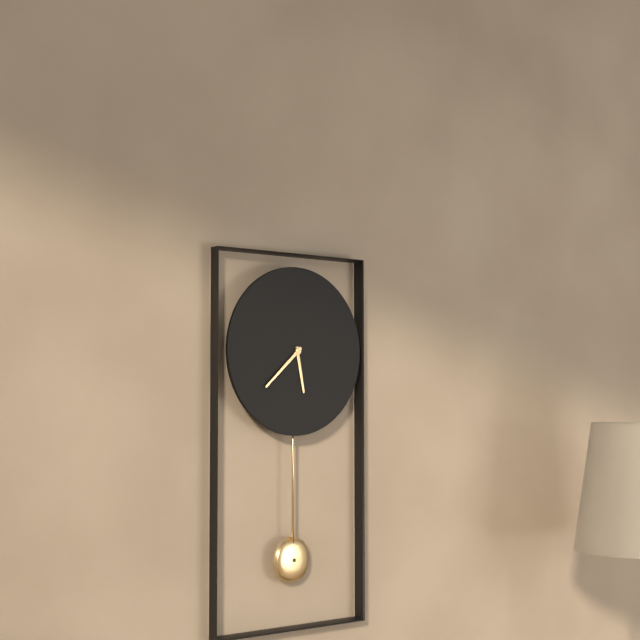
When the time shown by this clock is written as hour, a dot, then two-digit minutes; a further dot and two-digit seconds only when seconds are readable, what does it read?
5.38
